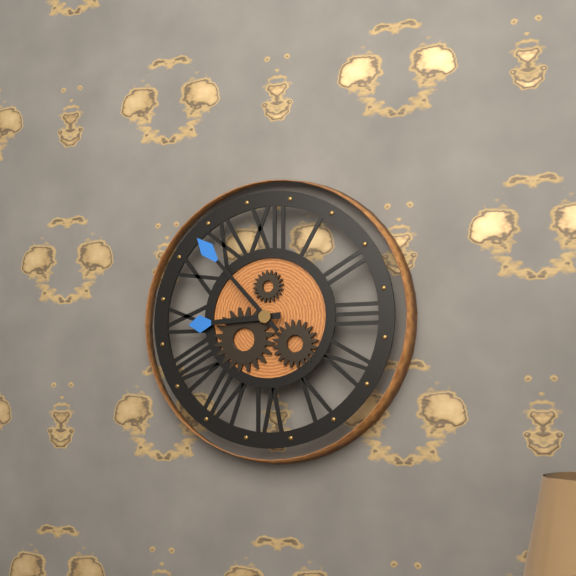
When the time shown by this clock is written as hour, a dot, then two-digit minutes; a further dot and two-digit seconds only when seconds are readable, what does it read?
8.53
